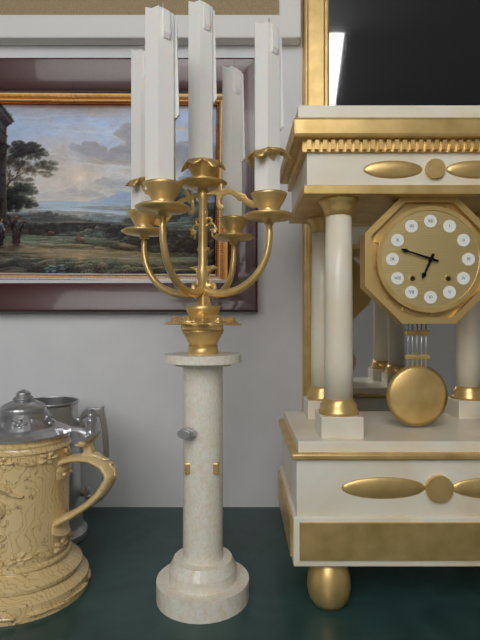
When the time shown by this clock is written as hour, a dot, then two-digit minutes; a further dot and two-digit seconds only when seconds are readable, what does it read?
6.48
